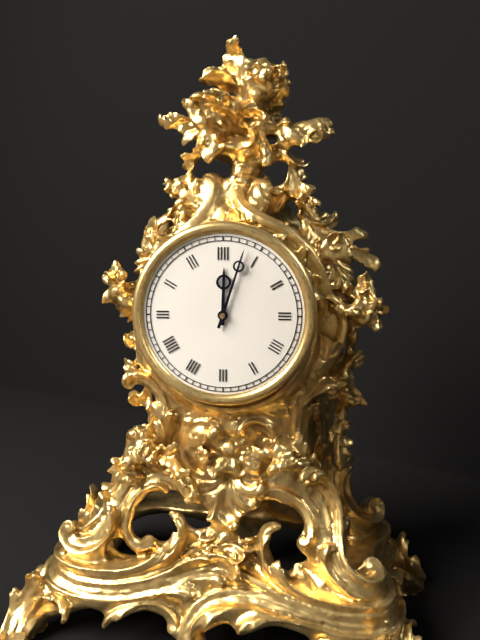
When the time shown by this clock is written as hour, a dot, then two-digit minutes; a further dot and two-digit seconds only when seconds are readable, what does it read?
12.03
